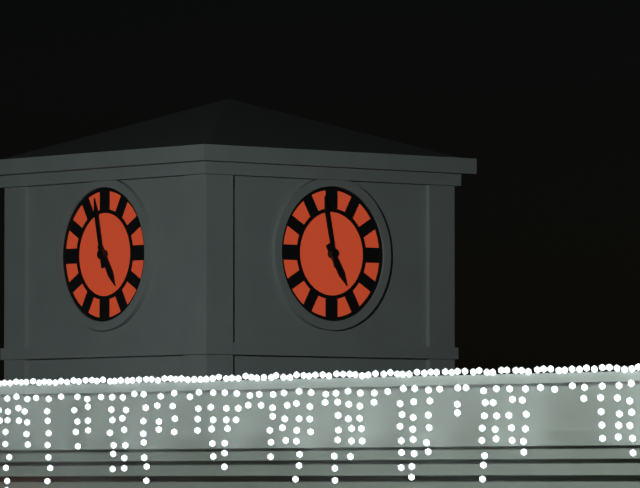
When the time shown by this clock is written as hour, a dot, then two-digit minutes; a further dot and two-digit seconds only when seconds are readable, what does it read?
4.58
